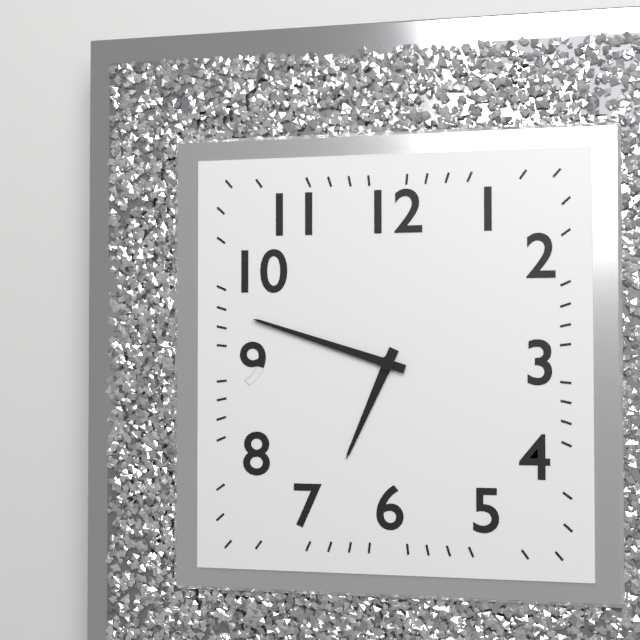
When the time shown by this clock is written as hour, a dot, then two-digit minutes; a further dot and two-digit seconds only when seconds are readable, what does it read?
6.48
